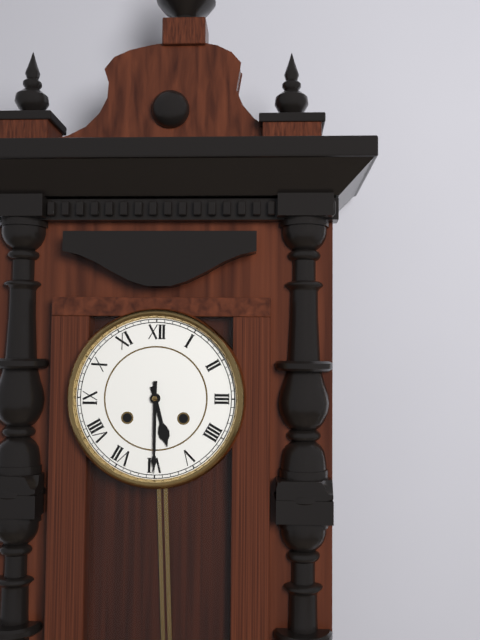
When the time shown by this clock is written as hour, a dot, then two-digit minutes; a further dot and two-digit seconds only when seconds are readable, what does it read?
5.30
